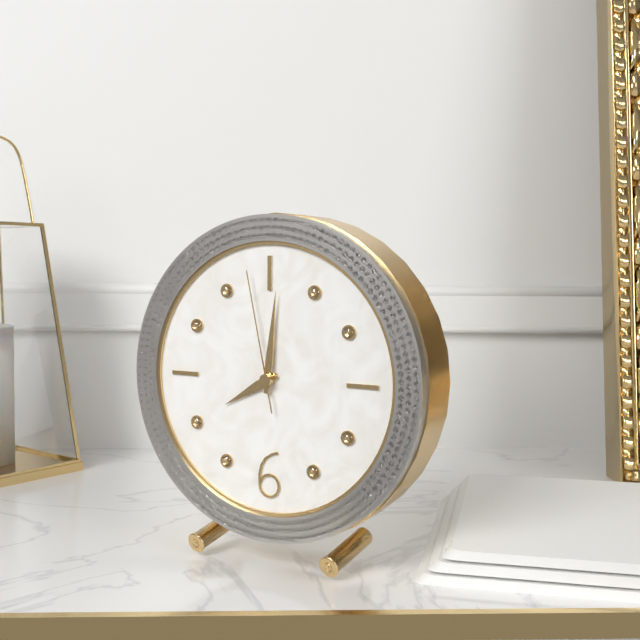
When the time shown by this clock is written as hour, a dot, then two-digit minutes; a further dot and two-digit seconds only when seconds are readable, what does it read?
8.01.58
